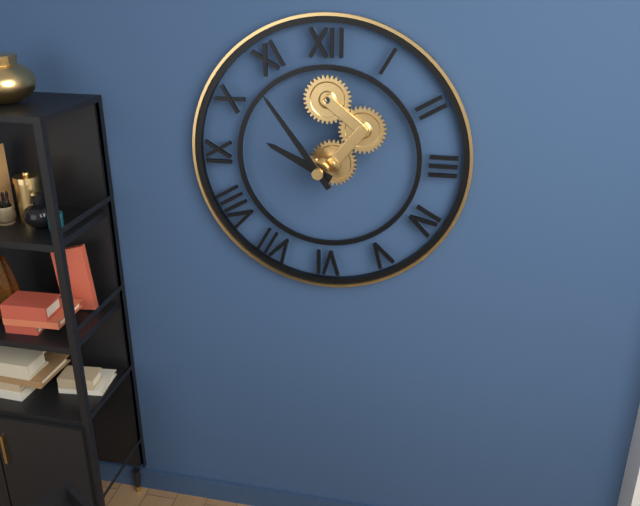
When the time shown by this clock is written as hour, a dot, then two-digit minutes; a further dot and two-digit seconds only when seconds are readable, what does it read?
9.54
